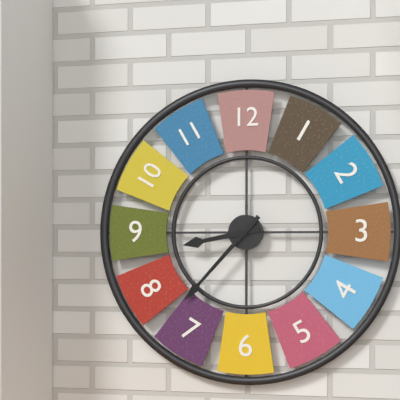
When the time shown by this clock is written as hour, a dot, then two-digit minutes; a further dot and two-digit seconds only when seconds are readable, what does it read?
8.37
